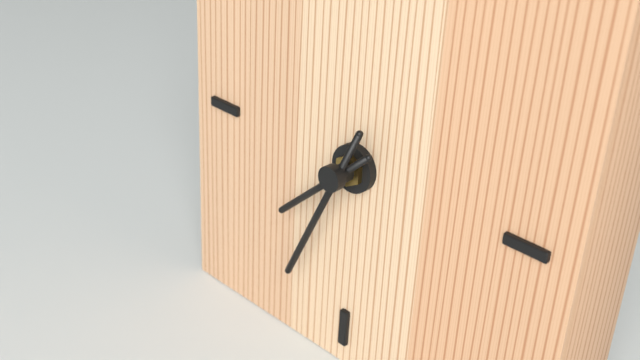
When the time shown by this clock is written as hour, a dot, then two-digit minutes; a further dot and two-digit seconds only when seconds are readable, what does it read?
7.34
